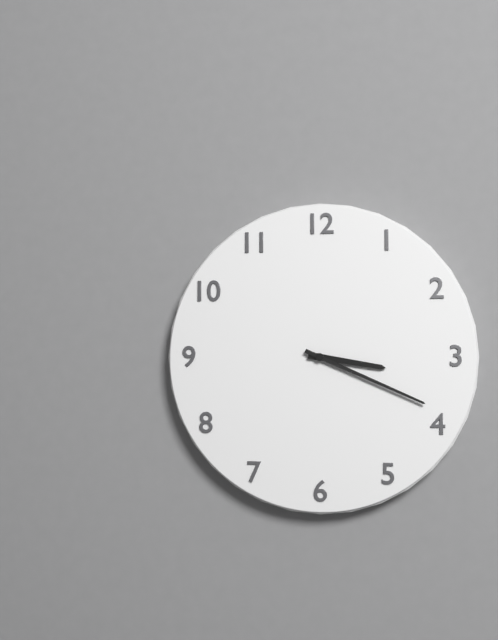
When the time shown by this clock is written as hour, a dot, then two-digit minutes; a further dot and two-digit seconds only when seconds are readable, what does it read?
3.19
